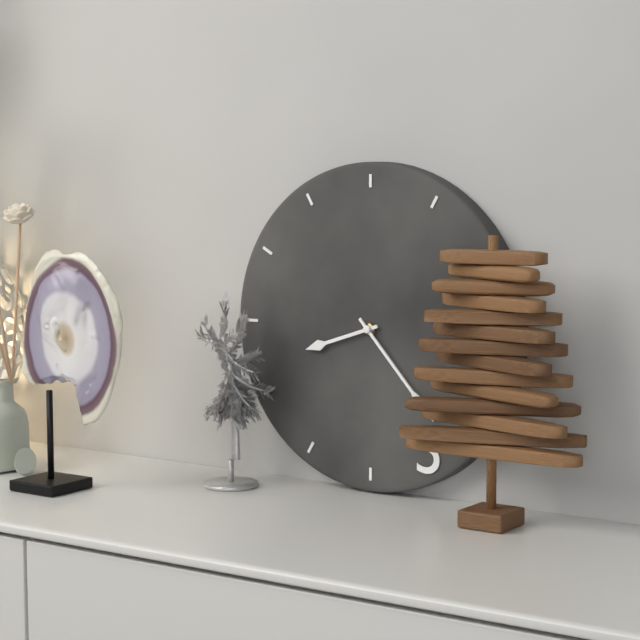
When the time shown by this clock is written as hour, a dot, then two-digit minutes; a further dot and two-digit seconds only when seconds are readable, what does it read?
8.23
